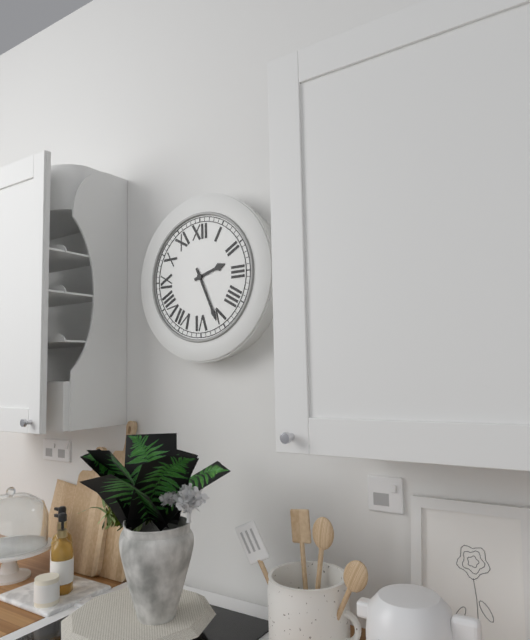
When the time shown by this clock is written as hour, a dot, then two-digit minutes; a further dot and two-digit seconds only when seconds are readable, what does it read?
2.26
